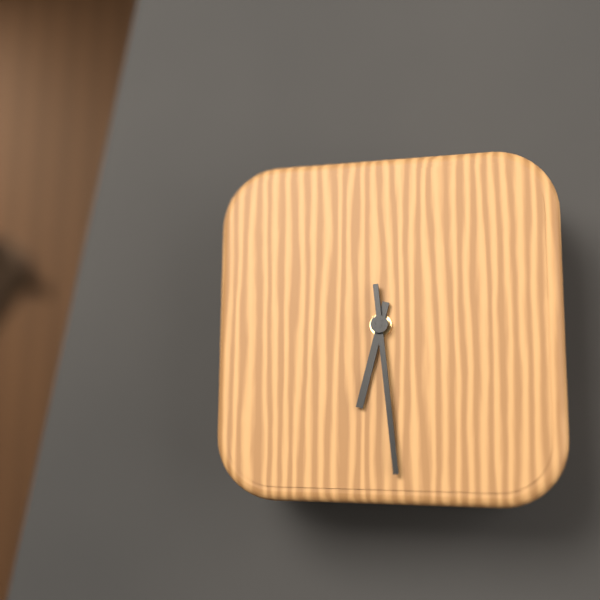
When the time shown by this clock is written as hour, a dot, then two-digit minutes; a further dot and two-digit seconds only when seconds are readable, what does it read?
6.29
